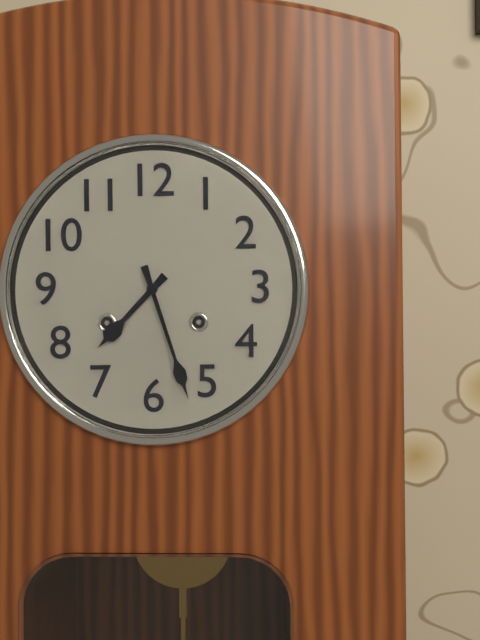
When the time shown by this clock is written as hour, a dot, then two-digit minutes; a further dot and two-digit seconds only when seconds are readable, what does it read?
7.27
